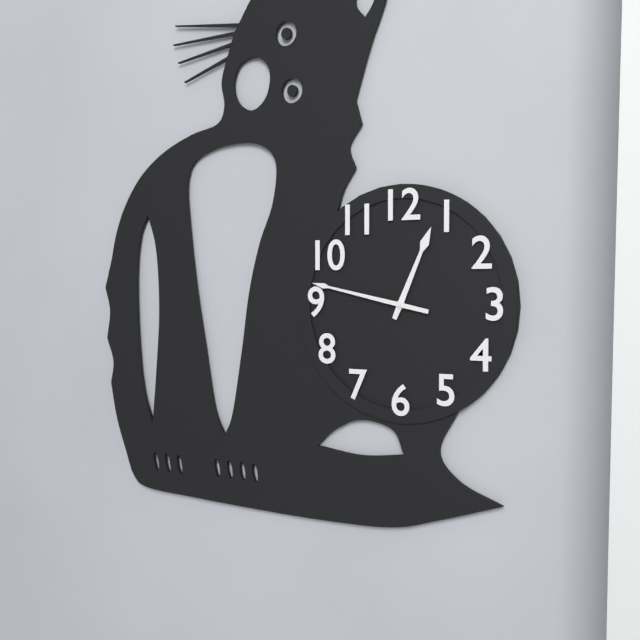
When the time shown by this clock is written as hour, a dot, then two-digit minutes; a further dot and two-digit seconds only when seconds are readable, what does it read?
12.47
